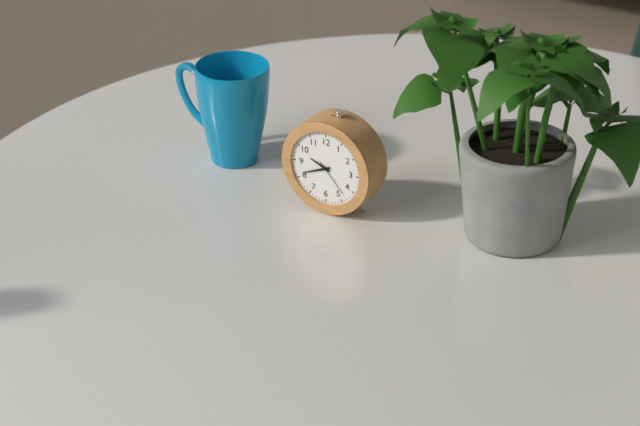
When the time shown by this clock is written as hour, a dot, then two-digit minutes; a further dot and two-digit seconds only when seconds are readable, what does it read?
9.41
